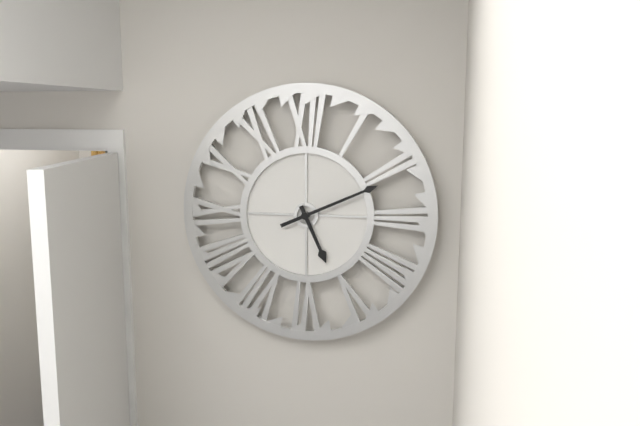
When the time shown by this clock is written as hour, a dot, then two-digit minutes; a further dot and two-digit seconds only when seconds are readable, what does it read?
5.11
